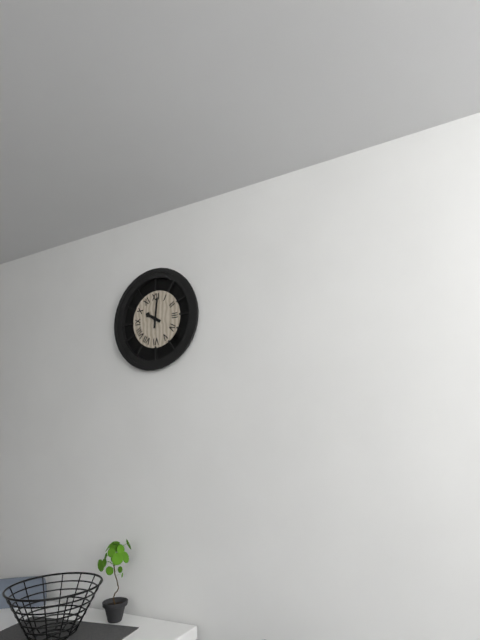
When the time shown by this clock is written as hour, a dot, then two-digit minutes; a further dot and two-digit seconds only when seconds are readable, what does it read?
10.01
